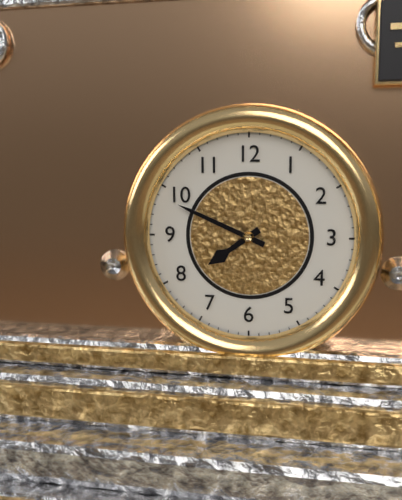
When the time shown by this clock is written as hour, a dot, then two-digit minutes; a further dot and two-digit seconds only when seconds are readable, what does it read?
7.49
